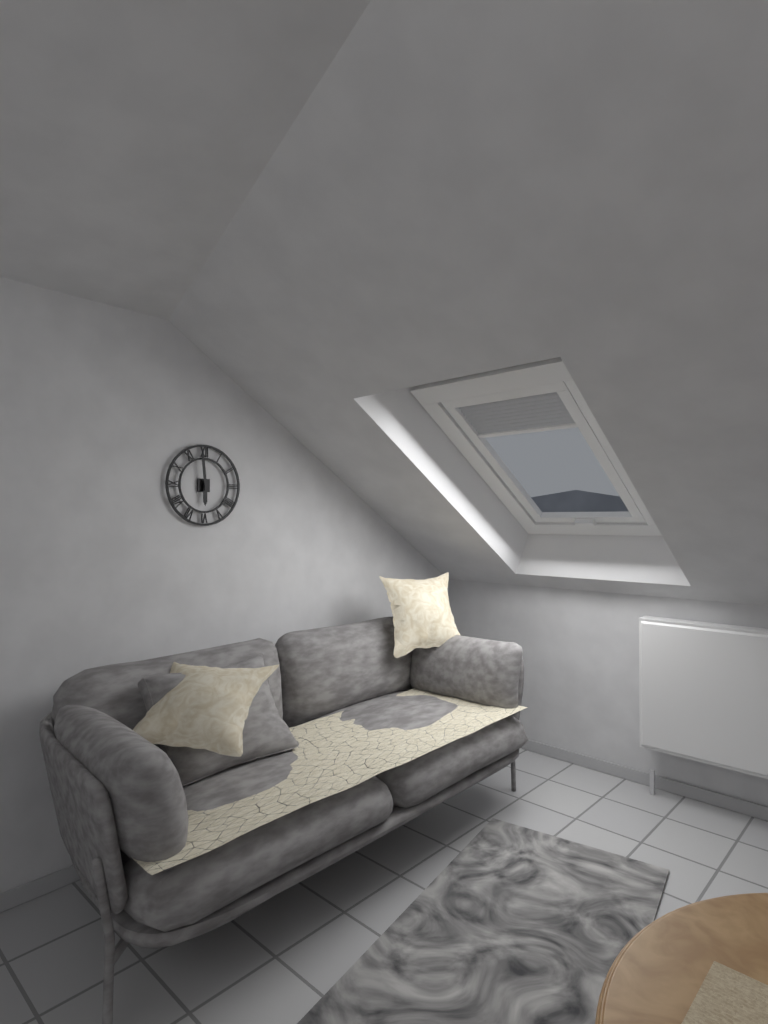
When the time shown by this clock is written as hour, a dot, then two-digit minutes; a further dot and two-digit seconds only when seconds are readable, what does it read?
5.59
